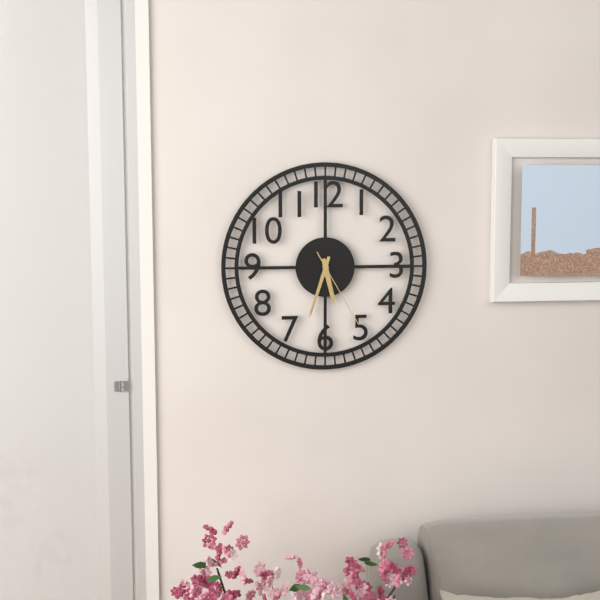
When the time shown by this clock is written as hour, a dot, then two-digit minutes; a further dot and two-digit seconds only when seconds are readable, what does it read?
5.33.25
